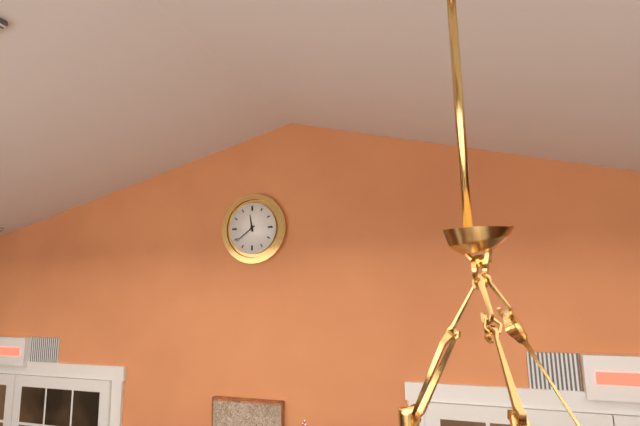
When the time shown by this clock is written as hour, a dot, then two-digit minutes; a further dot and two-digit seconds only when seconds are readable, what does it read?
11.39
